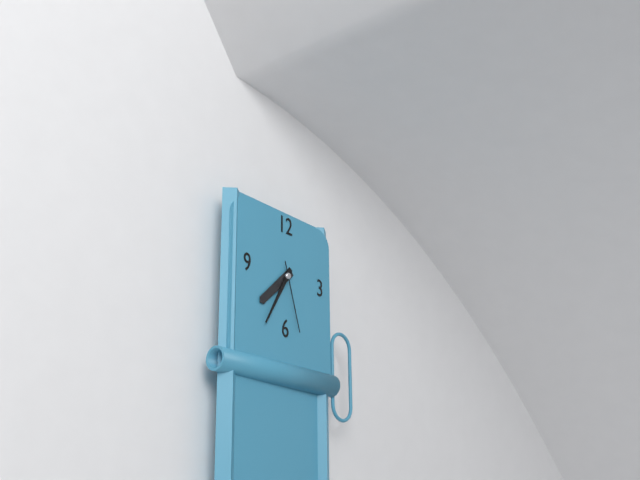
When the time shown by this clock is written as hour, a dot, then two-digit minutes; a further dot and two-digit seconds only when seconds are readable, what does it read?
7.35.27
